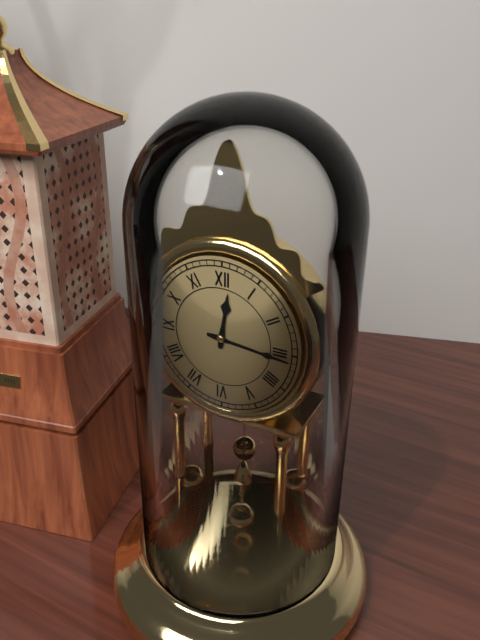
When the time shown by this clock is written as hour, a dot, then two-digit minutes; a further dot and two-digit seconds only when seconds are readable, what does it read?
12.16
